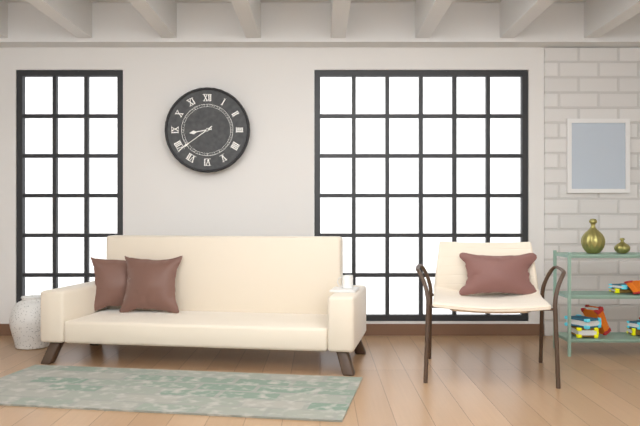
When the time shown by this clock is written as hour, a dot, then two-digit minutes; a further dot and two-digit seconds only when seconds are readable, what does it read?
8.39
